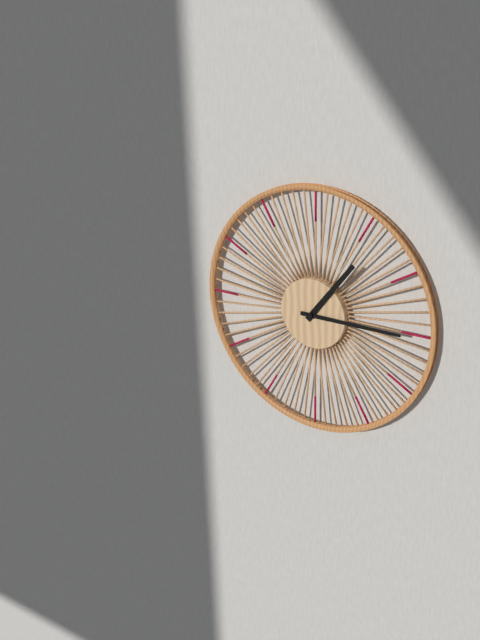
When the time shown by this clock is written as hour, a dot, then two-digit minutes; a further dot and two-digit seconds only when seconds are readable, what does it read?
1.15
